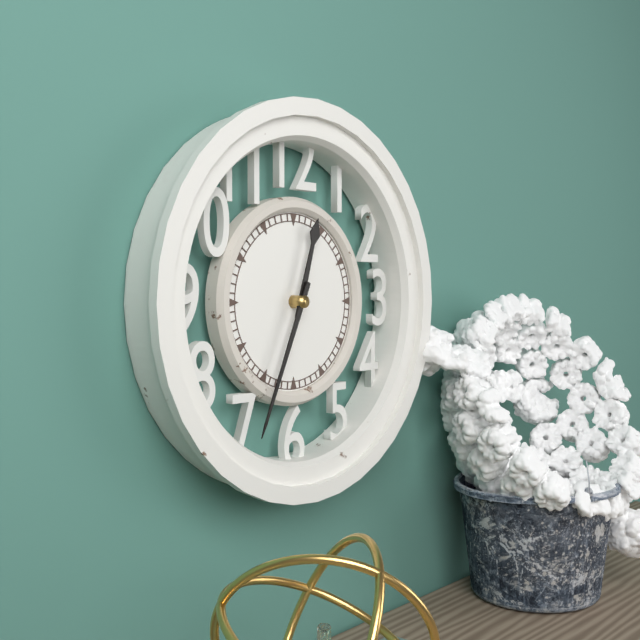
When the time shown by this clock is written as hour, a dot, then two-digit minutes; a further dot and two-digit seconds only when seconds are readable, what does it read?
12.34
